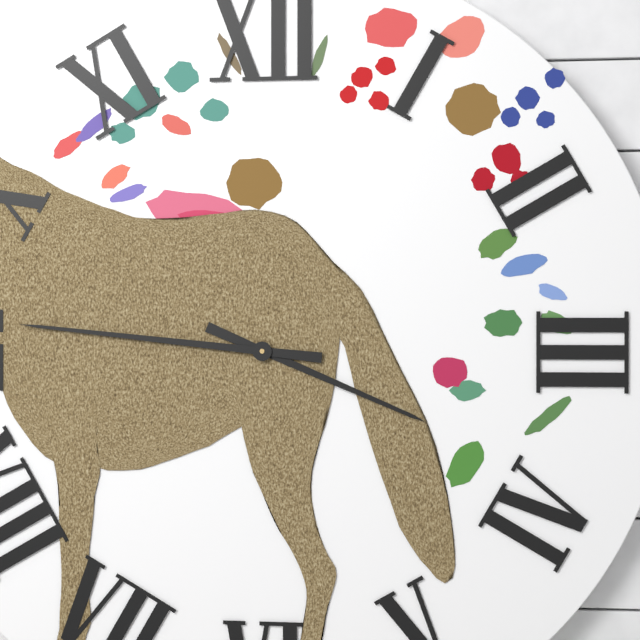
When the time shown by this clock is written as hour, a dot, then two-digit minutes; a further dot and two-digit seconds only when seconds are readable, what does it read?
3.46
